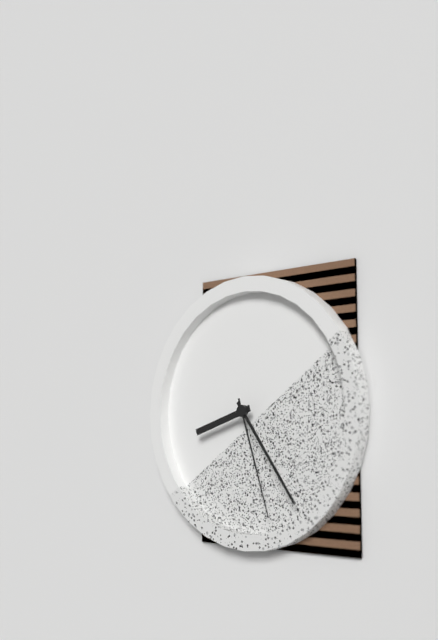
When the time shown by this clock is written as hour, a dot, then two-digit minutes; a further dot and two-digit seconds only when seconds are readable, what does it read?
8.24.27
